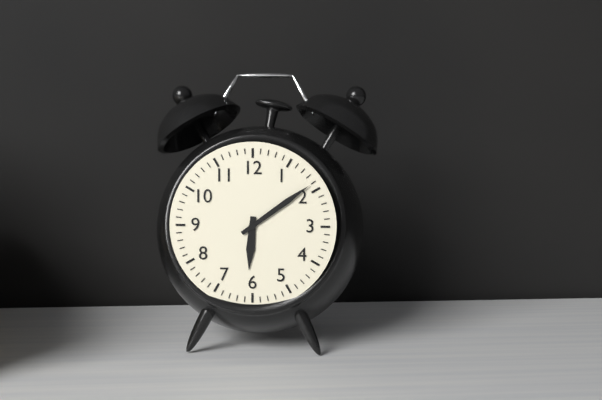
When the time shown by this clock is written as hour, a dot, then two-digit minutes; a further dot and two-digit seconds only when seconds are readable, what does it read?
6.09
